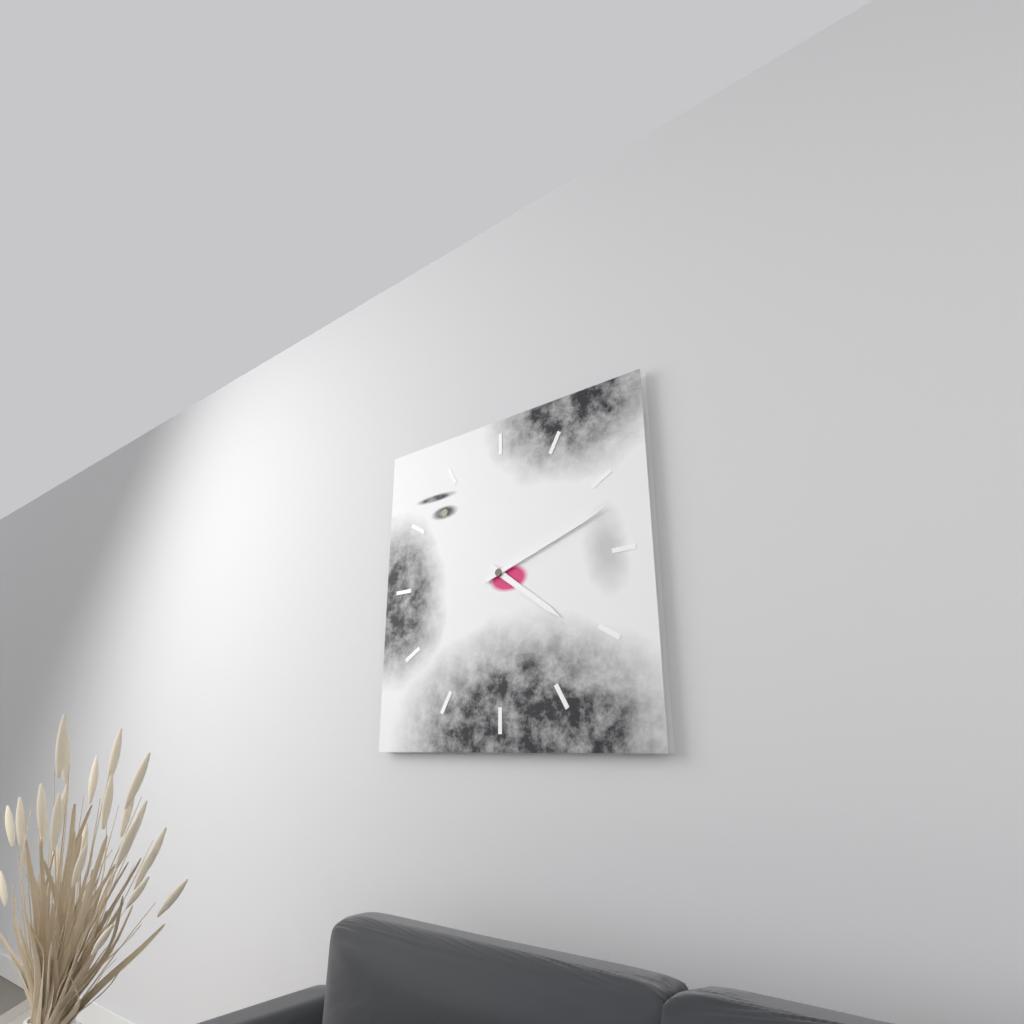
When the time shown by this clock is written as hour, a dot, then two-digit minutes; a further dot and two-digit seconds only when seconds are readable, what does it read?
4.12
